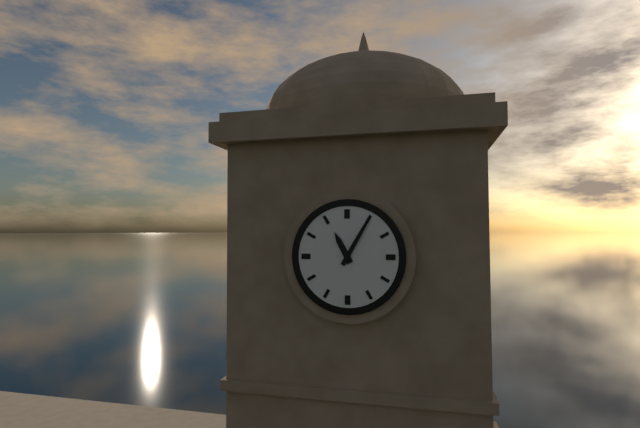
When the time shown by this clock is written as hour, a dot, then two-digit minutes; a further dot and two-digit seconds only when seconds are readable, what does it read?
11.05
